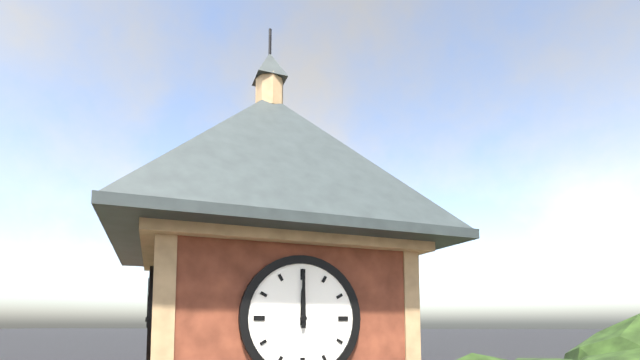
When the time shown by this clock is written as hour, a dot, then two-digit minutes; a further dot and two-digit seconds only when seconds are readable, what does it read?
12.00
